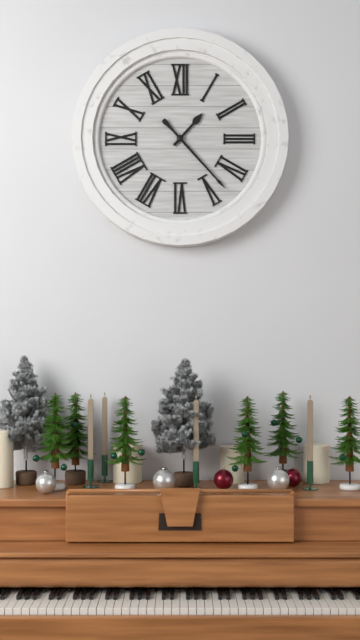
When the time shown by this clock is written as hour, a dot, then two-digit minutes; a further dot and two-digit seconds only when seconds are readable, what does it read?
1.23
